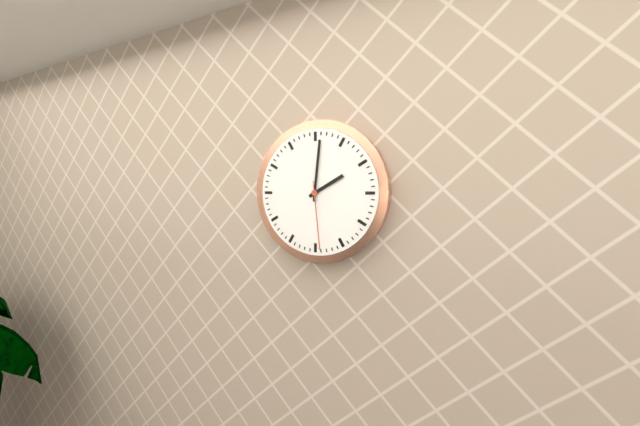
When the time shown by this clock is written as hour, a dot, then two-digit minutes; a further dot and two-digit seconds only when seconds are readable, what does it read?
2.01.29
